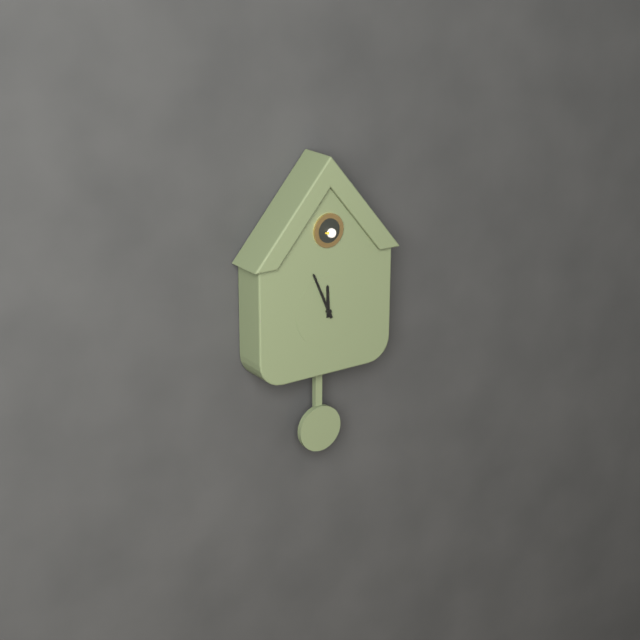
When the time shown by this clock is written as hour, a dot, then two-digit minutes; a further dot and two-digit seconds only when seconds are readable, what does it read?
11.56
